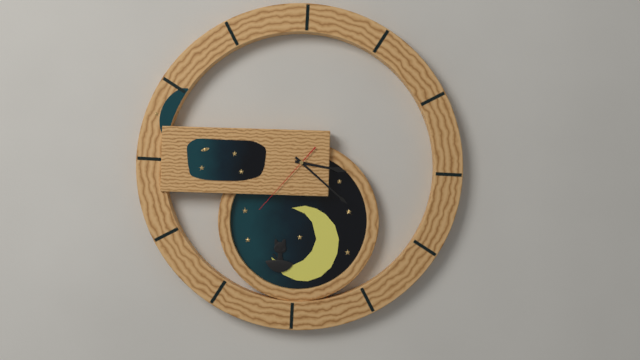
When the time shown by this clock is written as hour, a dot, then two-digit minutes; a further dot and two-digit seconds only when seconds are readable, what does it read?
3.22.37
